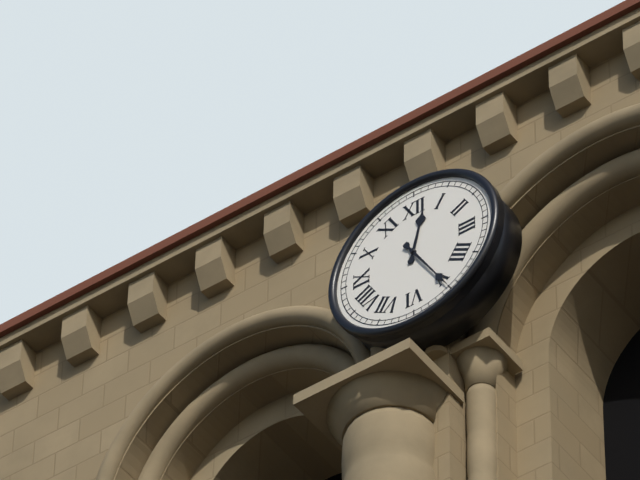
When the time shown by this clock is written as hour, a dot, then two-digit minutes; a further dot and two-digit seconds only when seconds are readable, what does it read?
12.25
